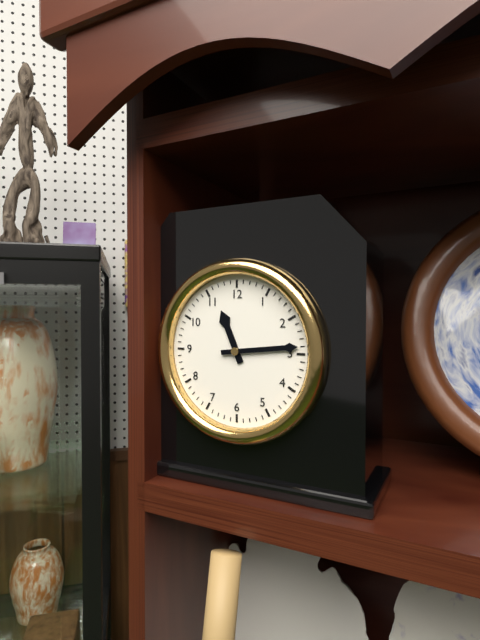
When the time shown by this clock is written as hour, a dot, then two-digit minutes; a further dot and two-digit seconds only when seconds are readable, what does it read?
11.14
